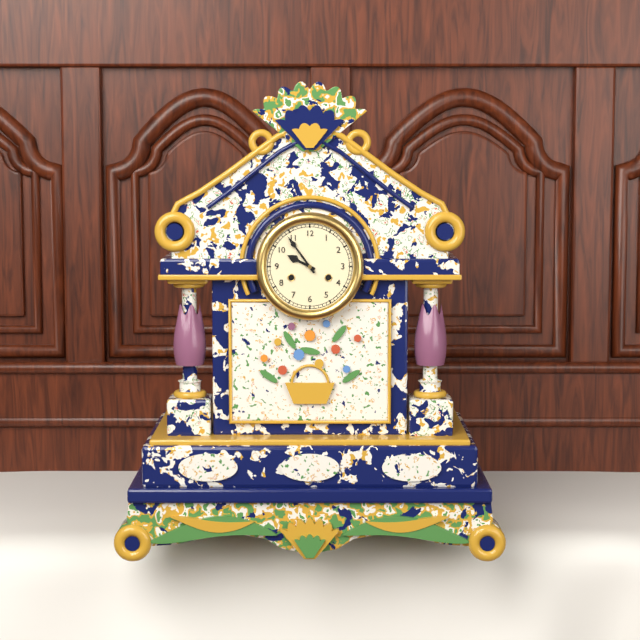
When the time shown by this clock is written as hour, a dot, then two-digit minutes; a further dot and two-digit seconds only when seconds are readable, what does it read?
9.54
